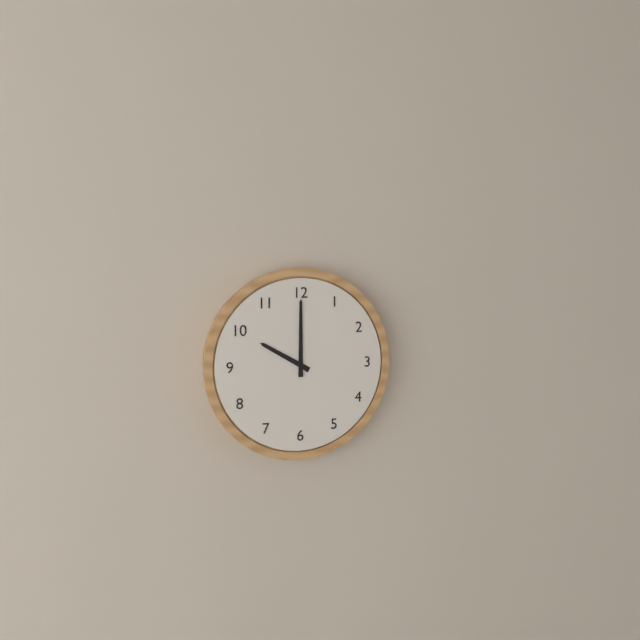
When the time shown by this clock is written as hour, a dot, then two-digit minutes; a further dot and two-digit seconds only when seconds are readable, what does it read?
10.00
